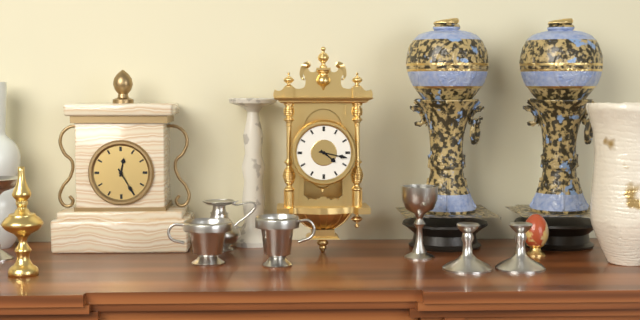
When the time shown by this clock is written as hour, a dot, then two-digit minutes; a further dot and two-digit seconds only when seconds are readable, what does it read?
4.17
